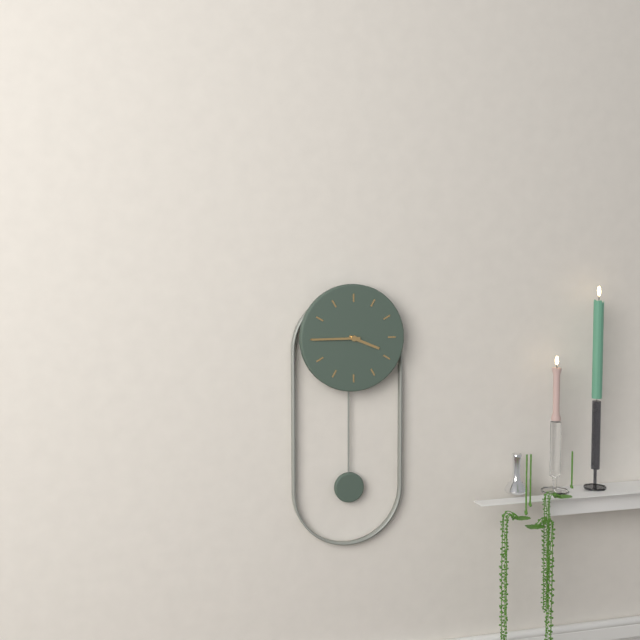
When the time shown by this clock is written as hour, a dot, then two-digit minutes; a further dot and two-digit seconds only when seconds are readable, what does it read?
3.45
